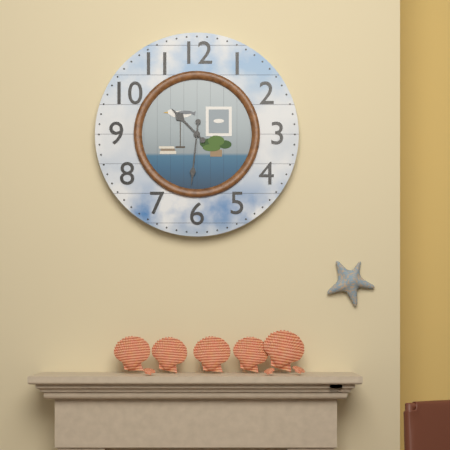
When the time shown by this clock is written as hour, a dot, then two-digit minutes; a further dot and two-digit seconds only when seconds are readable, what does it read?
10.31
